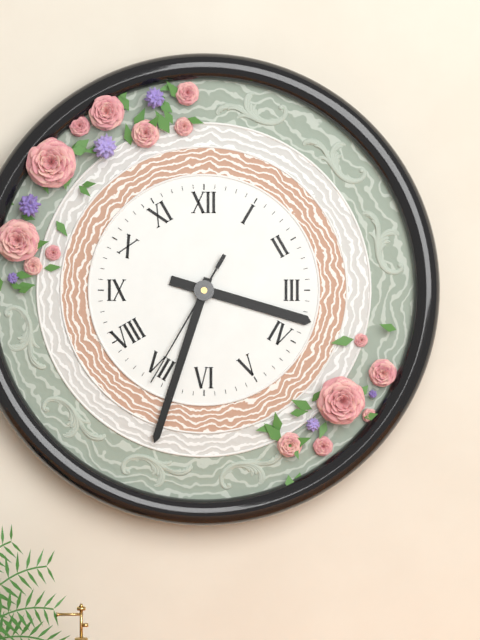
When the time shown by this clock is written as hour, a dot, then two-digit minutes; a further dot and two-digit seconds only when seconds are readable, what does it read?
3.33.35
